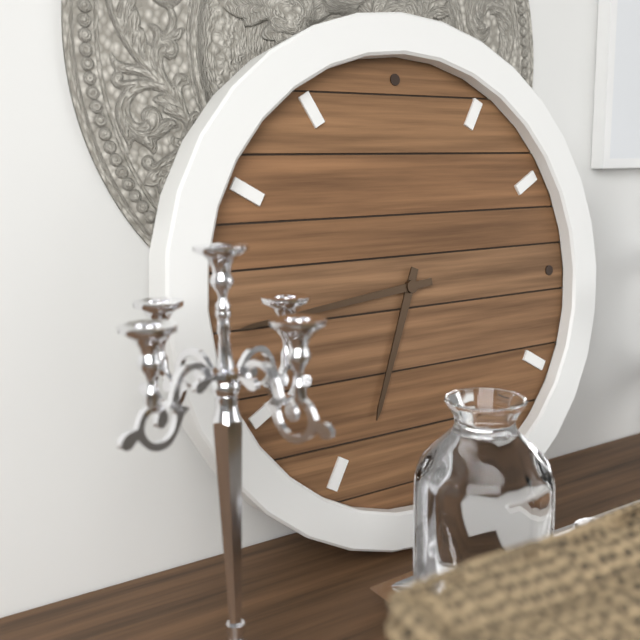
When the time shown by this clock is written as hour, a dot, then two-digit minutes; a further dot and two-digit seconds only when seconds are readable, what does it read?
6.44
